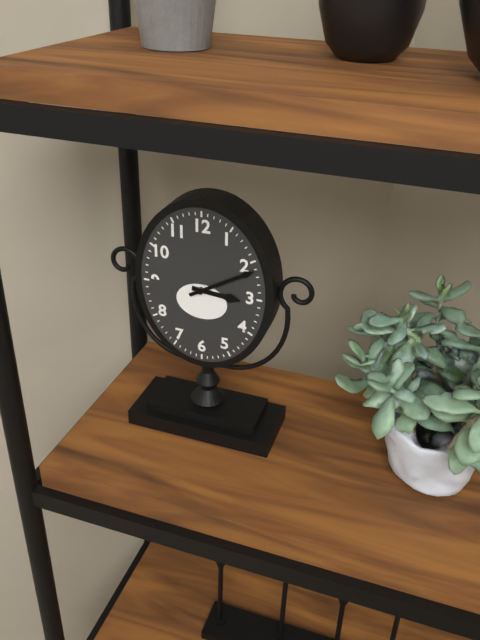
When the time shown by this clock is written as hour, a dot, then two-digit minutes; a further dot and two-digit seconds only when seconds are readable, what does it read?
3.10
